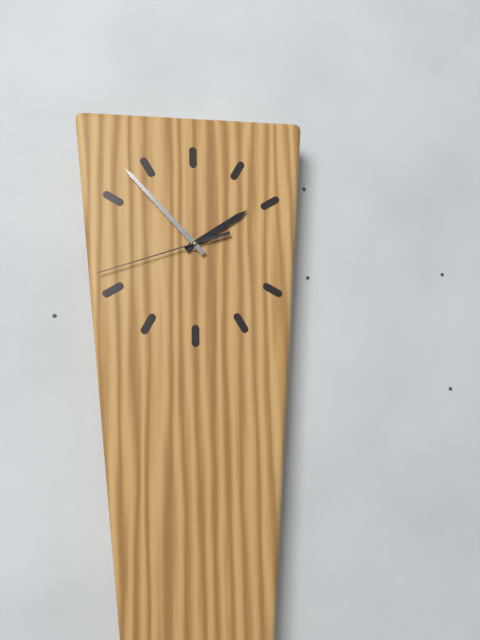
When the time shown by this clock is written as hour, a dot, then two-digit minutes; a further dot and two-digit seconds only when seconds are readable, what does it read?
1.53.42
